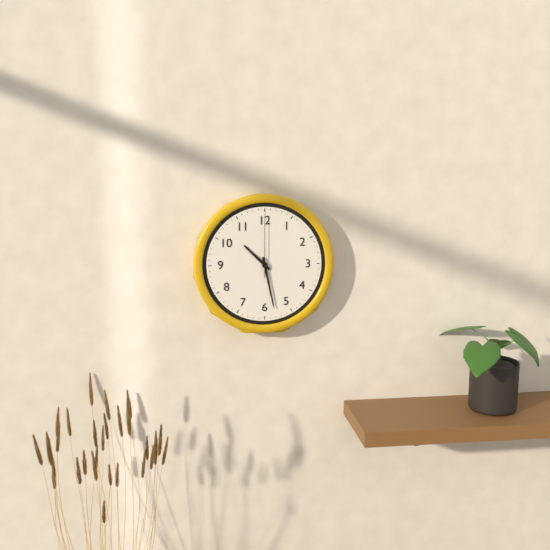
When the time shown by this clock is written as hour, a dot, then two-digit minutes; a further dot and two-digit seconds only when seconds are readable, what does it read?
10.28.00
